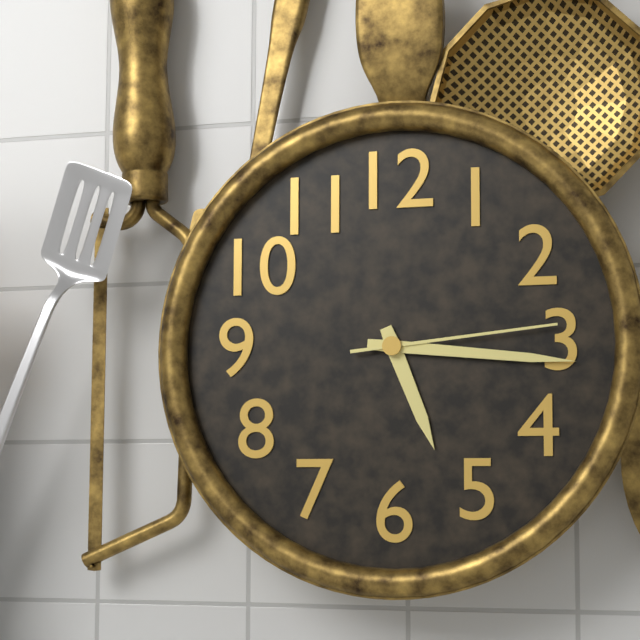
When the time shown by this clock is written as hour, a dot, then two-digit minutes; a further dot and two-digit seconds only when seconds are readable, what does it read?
5.16.14
